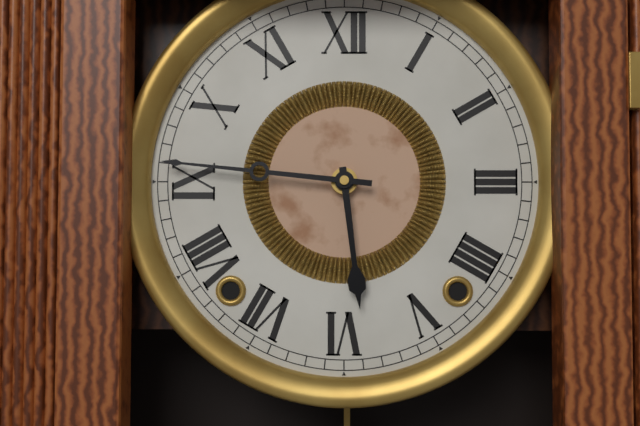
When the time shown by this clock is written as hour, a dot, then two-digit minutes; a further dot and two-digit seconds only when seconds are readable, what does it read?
5.46
